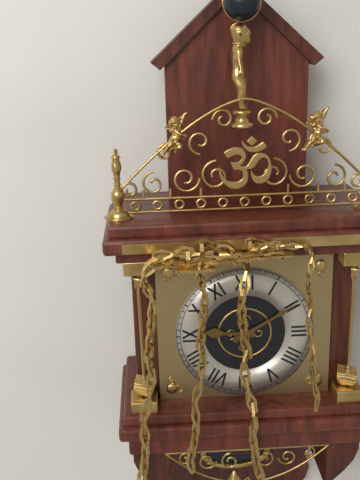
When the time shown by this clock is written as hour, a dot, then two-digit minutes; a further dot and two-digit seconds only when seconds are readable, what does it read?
9.10
